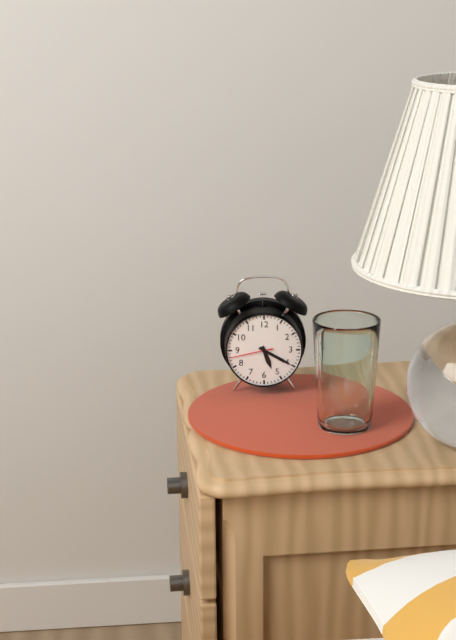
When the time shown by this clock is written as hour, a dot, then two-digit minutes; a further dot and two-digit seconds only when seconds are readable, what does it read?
5.20
